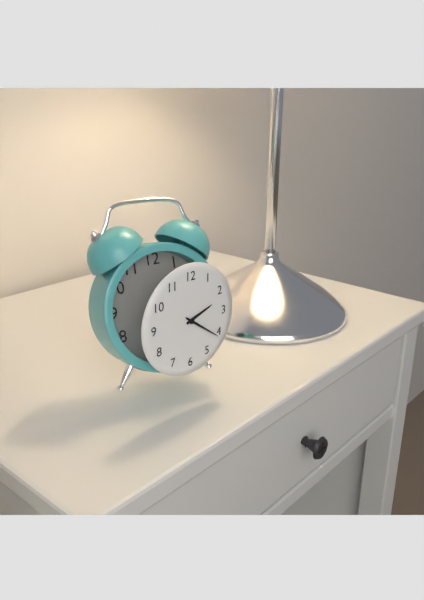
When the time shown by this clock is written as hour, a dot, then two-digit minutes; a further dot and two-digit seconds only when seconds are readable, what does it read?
2.21
